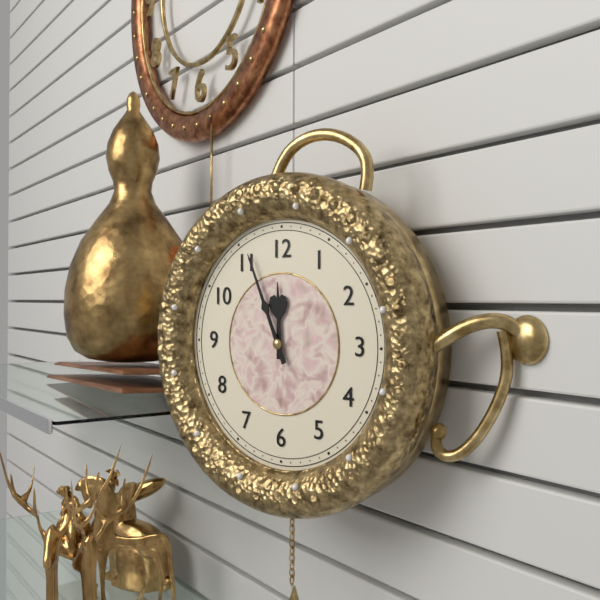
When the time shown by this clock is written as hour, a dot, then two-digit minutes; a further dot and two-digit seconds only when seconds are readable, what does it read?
11.56
